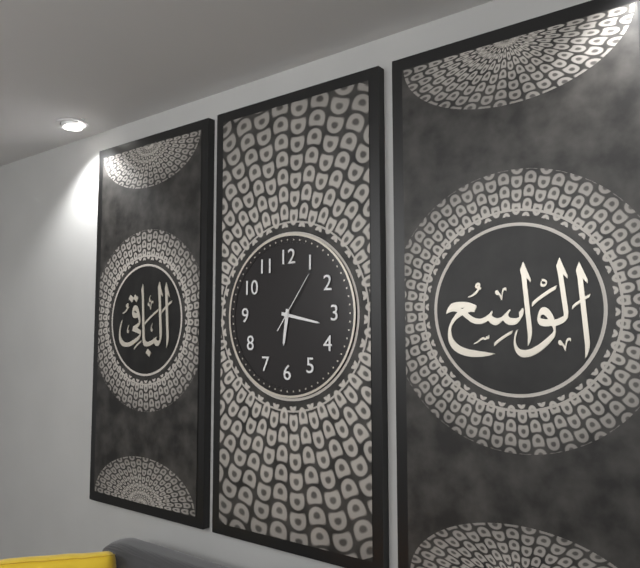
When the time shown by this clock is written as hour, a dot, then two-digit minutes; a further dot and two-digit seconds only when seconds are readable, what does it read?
6.17.06
